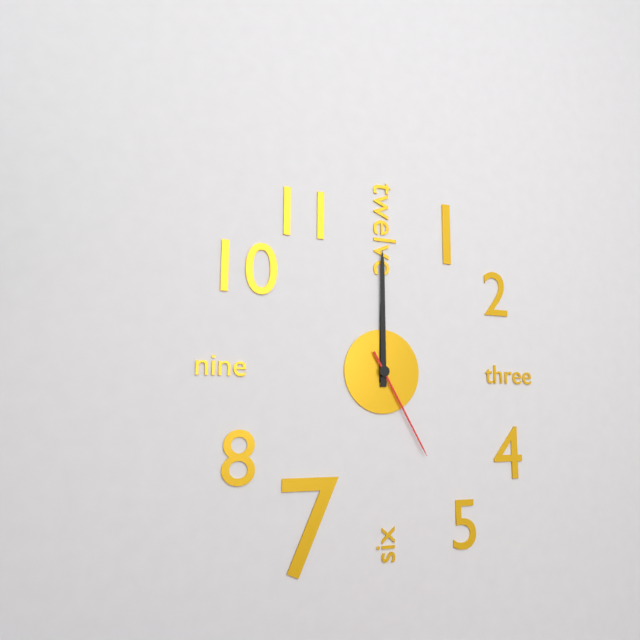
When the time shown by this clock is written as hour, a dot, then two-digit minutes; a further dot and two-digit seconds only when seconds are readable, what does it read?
12.00.25
